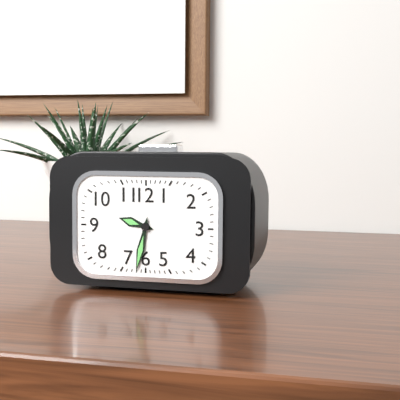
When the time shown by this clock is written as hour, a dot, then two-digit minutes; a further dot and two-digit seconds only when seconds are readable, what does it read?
9.32
